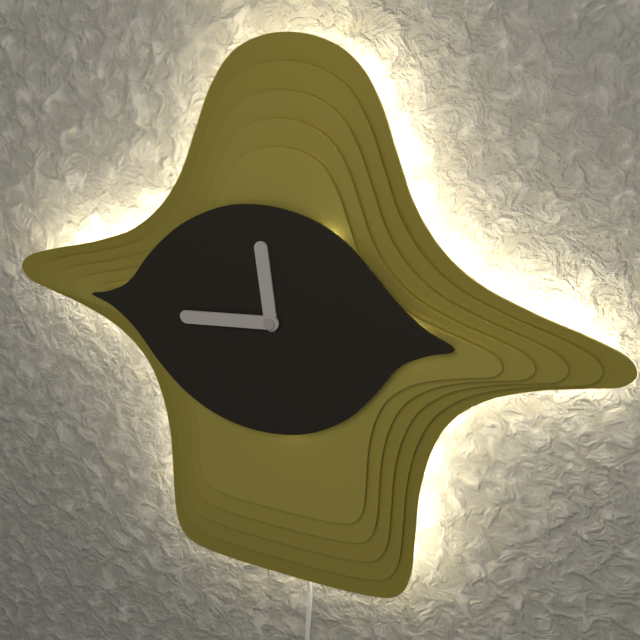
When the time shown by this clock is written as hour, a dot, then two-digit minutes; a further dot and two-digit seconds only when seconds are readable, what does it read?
11.44
